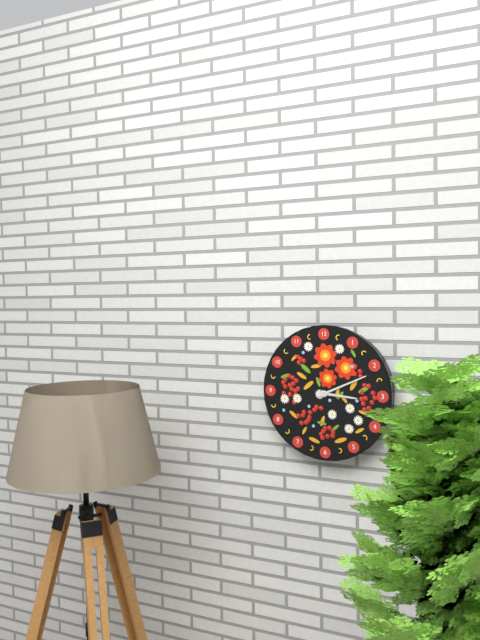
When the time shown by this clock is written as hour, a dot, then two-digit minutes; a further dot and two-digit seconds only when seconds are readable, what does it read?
3.11
